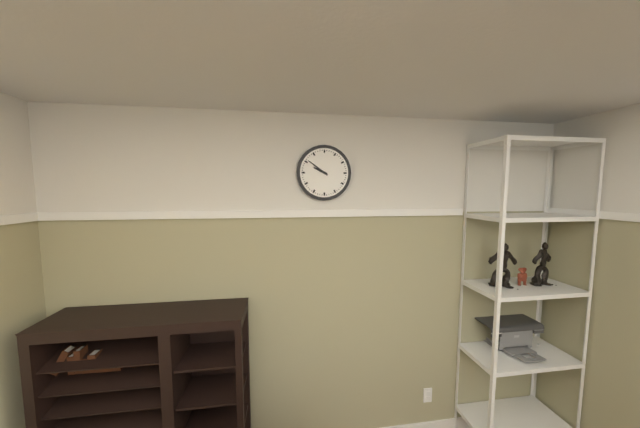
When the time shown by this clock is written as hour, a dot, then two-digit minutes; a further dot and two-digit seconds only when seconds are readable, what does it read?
9.51
